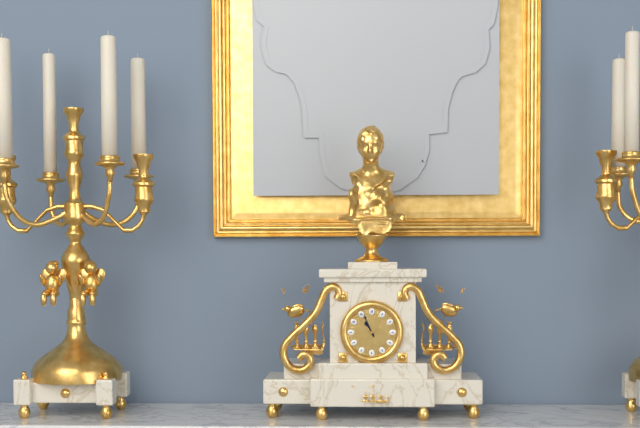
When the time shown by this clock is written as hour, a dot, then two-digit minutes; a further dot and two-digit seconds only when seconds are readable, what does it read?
10.56
